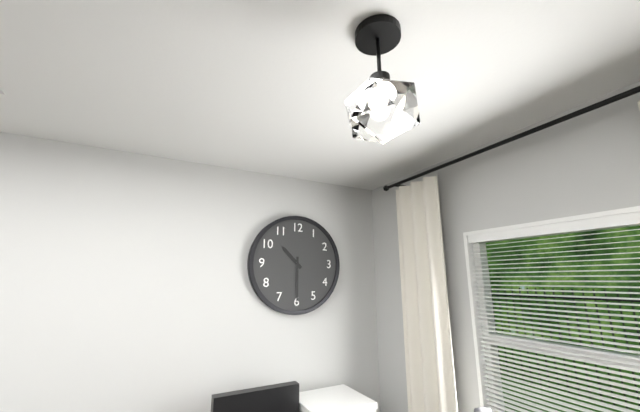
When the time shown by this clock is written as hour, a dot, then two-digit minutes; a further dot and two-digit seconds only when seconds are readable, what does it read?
10.30
